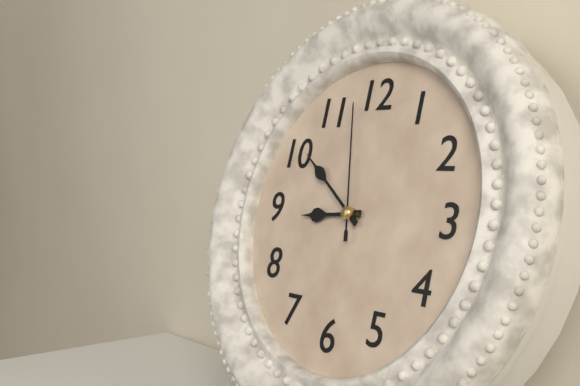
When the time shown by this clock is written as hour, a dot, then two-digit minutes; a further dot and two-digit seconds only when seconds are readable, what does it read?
8.51.58
